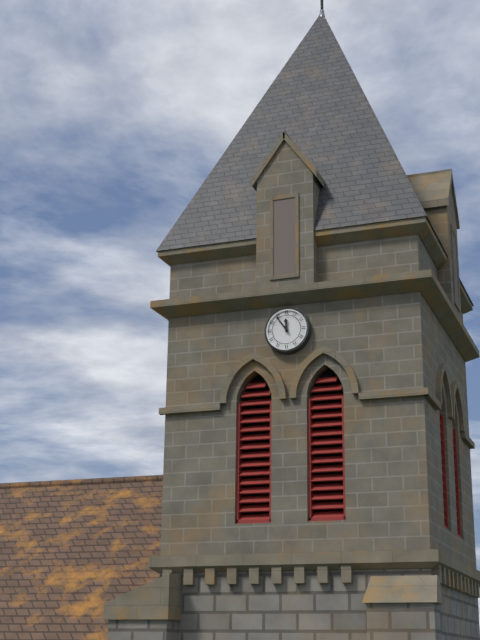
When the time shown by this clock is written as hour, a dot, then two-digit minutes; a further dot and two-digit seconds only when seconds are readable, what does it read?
11.54
